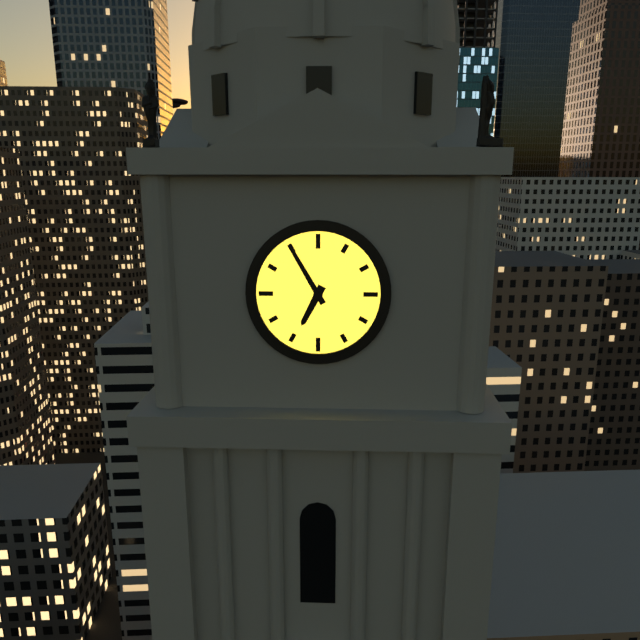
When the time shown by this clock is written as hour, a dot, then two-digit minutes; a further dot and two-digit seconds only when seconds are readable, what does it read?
6.55
